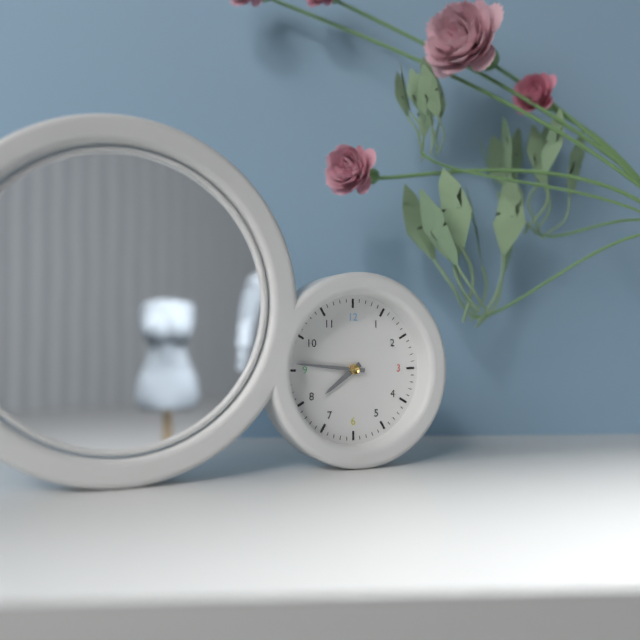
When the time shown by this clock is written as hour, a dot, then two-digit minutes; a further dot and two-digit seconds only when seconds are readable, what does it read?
7.46
